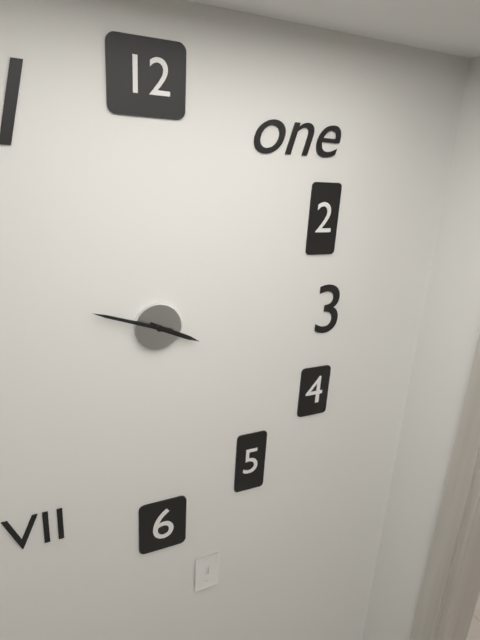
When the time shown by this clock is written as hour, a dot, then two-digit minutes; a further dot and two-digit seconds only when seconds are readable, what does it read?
3.48
